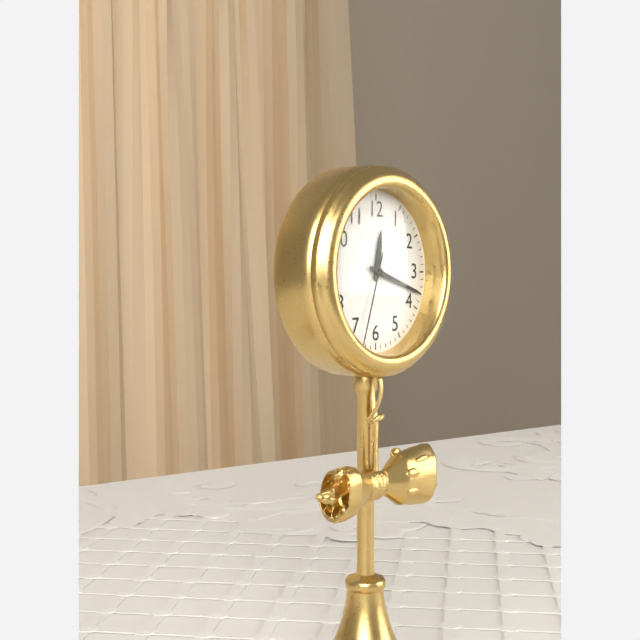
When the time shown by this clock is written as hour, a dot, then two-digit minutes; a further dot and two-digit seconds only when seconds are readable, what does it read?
12.18.33
